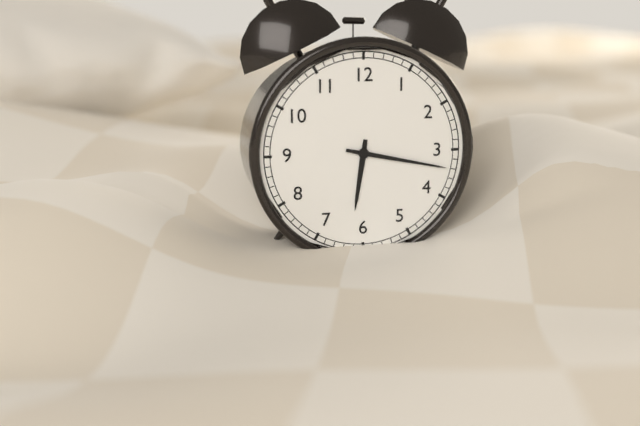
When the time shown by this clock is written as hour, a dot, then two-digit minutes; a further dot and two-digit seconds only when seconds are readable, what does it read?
6.17
